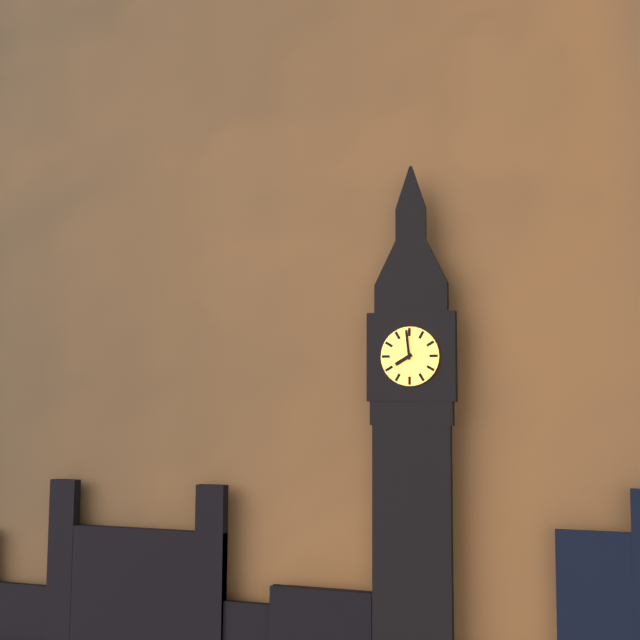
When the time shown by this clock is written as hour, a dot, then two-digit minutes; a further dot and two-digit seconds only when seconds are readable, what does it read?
7.59
